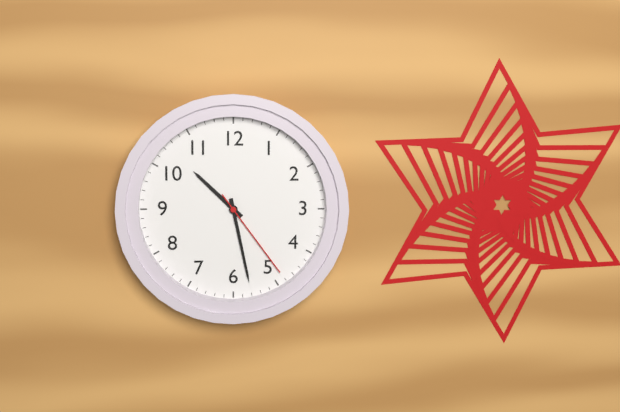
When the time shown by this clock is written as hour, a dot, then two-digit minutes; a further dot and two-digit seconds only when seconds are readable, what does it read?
10.28.24
